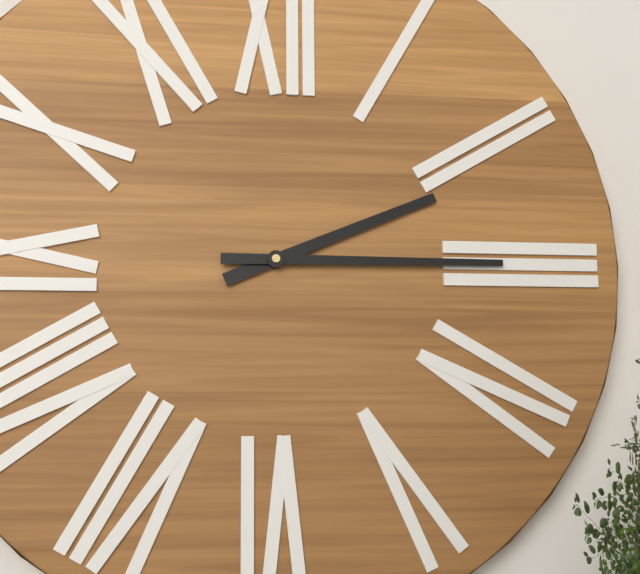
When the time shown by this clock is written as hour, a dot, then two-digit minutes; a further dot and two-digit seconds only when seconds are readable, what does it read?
2.15
